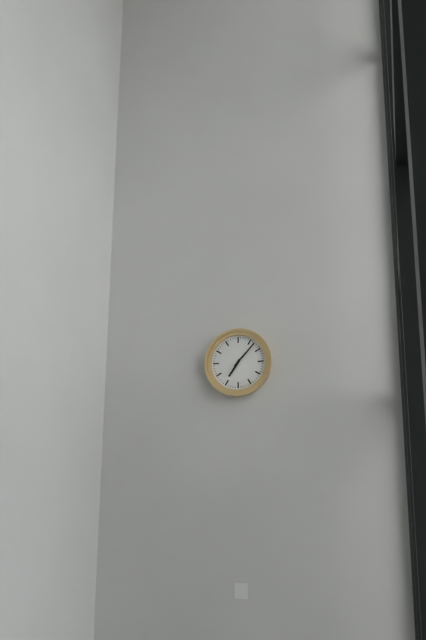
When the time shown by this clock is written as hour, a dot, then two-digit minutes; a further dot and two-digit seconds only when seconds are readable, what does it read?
7.07
